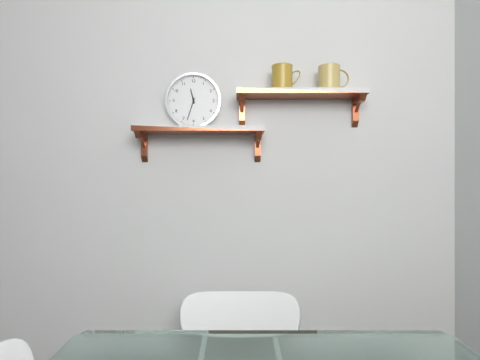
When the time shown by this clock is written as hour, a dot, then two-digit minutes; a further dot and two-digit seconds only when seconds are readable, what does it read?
11.33
